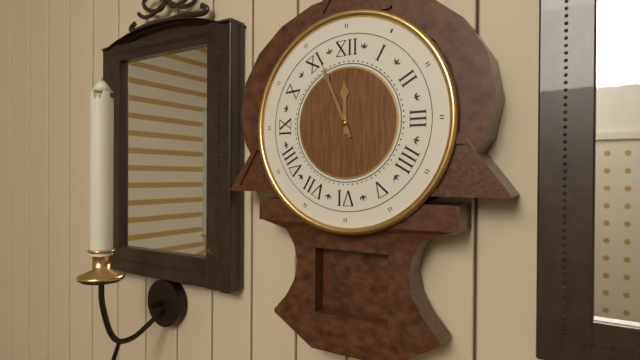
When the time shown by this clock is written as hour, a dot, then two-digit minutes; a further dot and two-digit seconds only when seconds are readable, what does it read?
11.56
